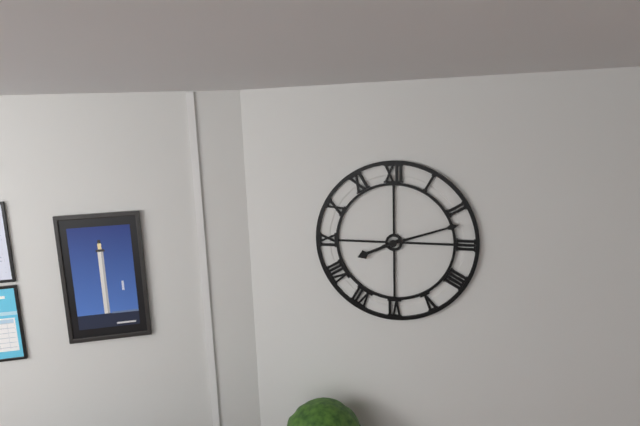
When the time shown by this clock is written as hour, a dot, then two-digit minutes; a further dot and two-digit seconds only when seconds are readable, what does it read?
8.12
